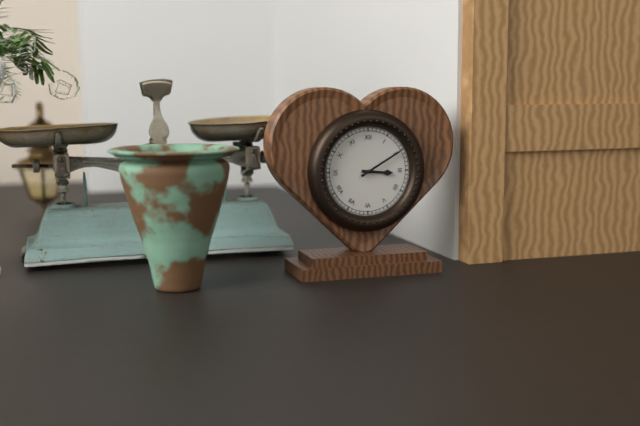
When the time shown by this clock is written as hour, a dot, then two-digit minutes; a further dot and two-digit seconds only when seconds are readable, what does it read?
3.10
